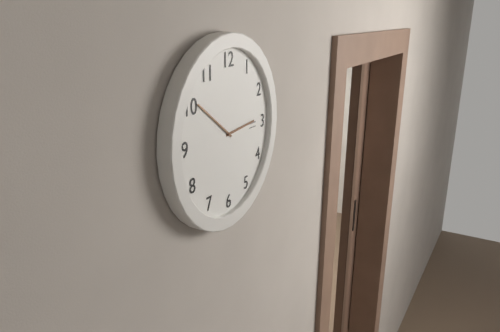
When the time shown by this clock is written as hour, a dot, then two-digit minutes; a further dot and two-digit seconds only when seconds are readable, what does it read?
2.51
